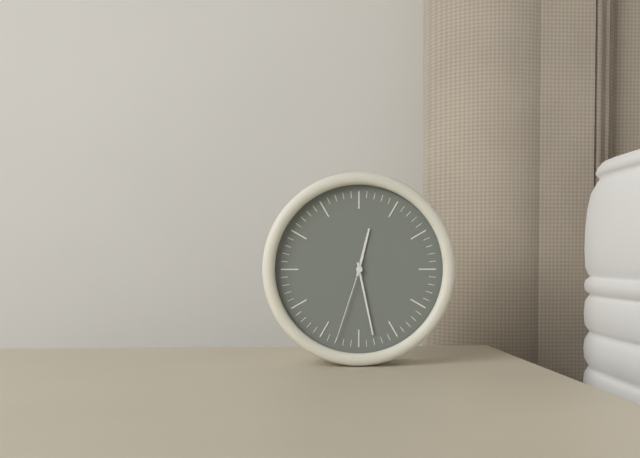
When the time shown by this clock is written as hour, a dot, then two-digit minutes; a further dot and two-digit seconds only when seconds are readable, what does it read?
12.28.33
